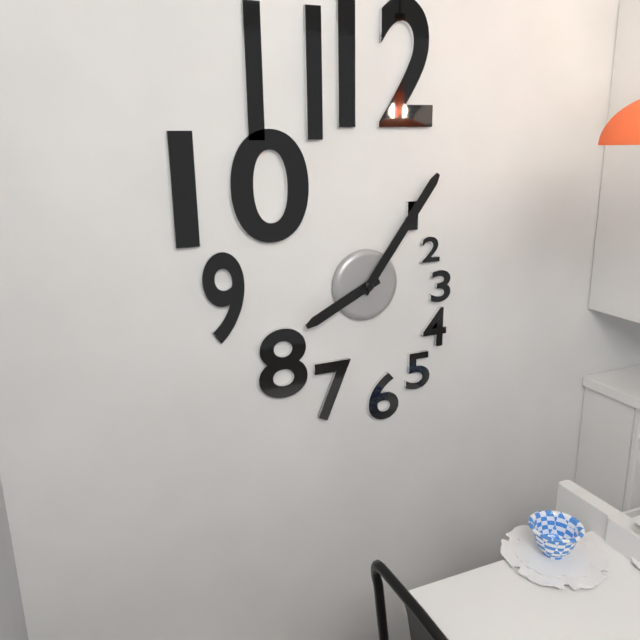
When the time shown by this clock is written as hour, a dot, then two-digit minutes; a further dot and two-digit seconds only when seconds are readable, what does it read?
8.06
